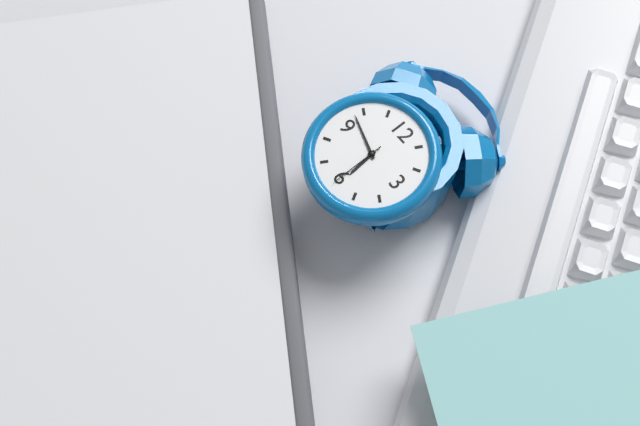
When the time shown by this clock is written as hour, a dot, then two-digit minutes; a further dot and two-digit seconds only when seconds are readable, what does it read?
5.48.30
